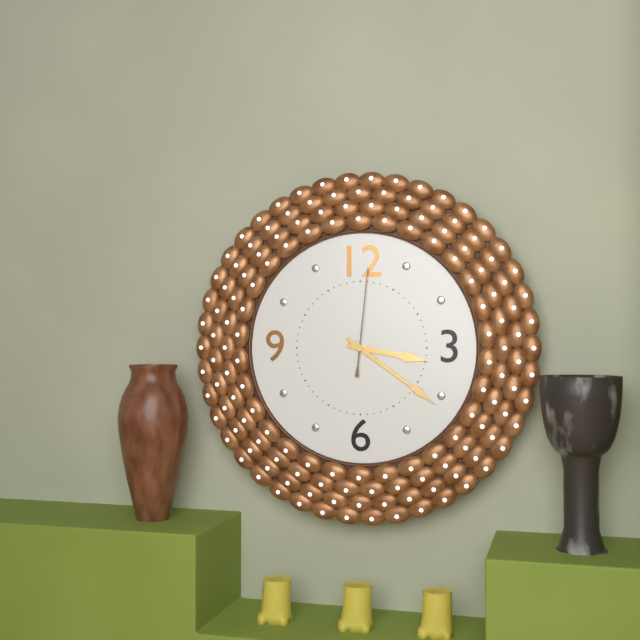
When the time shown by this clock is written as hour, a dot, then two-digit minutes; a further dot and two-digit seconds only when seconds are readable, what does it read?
3.21.01
